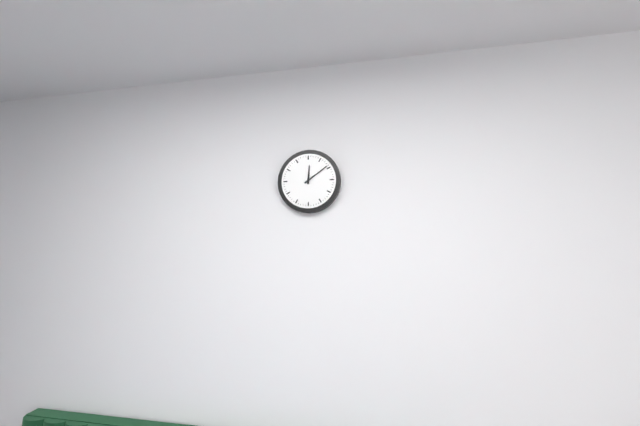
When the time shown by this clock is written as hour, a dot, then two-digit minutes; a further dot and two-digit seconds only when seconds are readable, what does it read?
12.09
